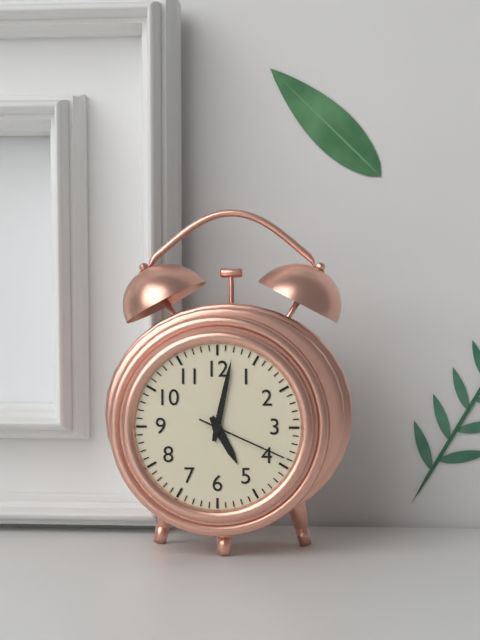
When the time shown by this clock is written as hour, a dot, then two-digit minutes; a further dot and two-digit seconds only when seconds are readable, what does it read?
5.02.19
